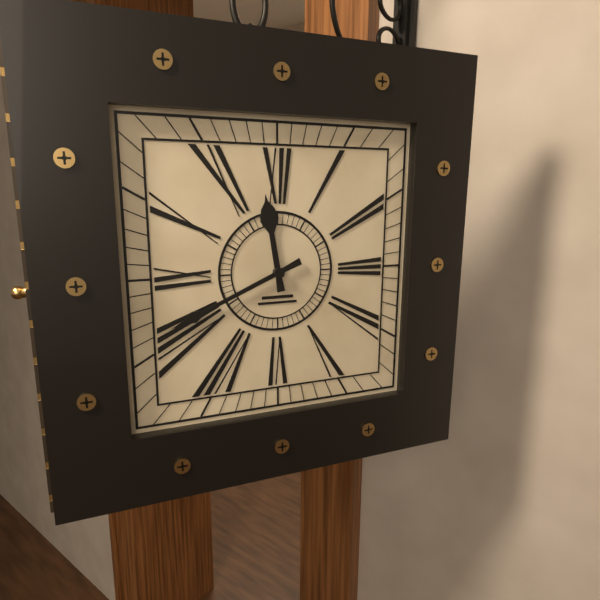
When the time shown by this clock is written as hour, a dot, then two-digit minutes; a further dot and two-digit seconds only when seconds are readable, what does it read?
11.41
